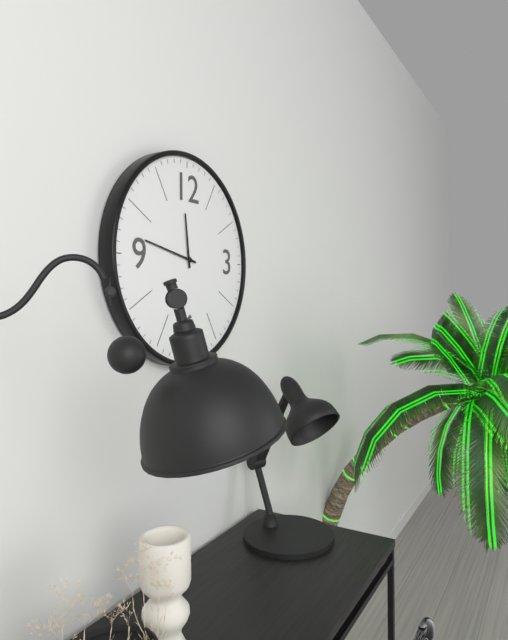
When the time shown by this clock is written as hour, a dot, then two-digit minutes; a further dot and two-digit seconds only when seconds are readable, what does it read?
11.47
